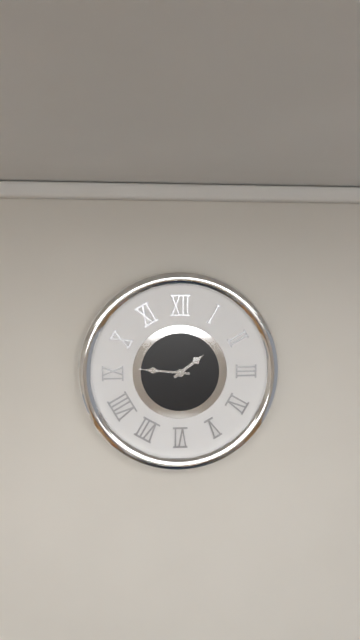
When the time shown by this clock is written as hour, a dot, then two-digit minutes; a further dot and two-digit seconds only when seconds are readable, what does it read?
1.46
